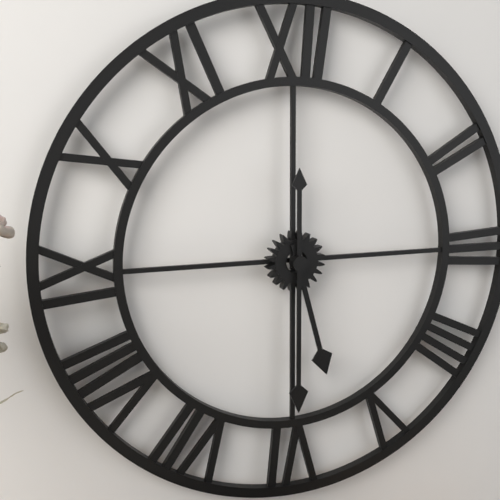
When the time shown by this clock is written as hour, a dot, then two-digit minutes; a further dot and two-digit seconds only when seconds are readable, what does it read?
5.30
